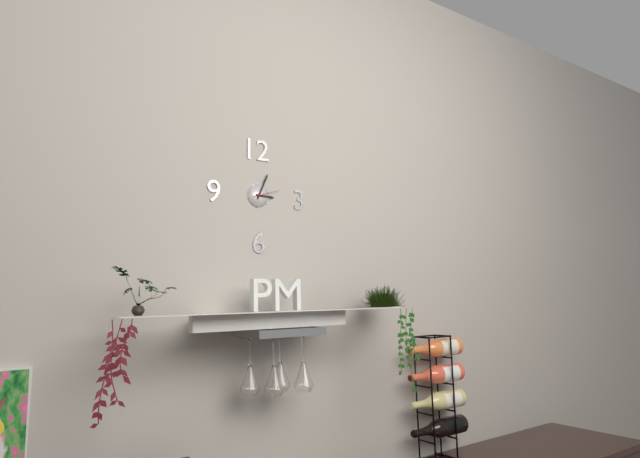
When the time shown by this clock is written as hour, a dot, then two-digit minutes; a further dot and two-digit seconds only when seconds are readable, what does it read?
3.04
